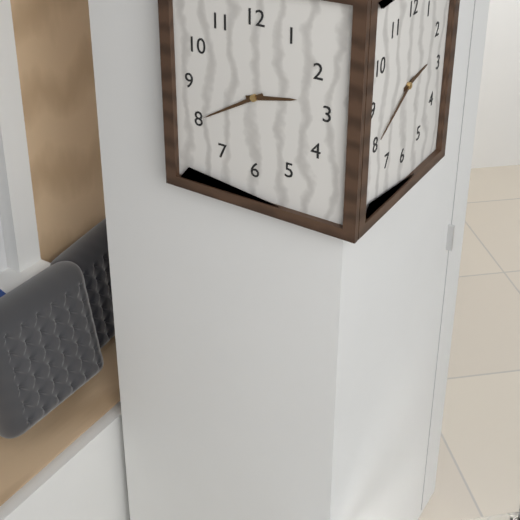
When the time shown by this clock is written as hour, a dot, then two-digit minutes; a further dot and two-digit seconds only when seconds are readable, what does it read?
2.40
